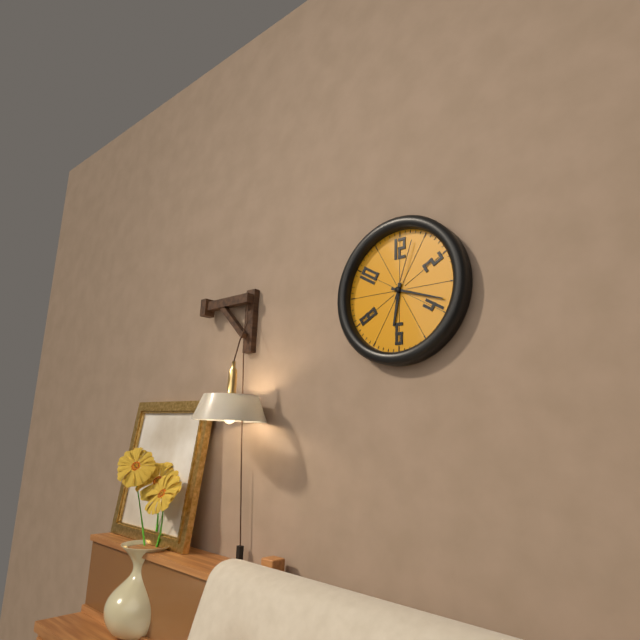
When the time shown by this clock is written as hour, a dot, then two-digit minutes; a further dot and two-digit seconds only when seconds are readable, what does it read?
6.18.03
